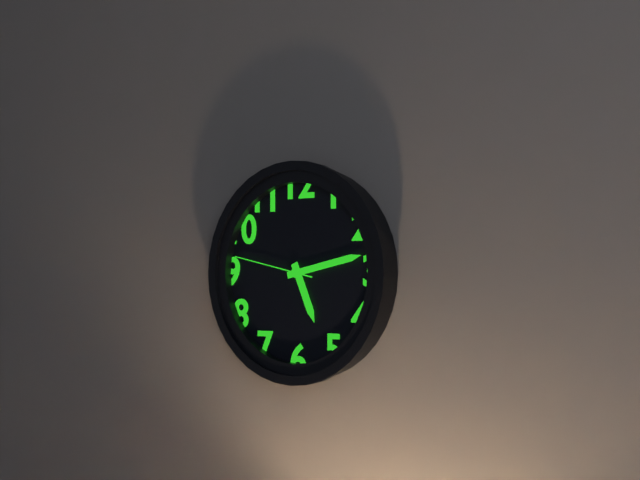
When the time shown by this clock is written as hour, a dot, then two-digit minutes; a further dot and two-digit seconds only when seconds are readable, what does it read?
5.13.47
